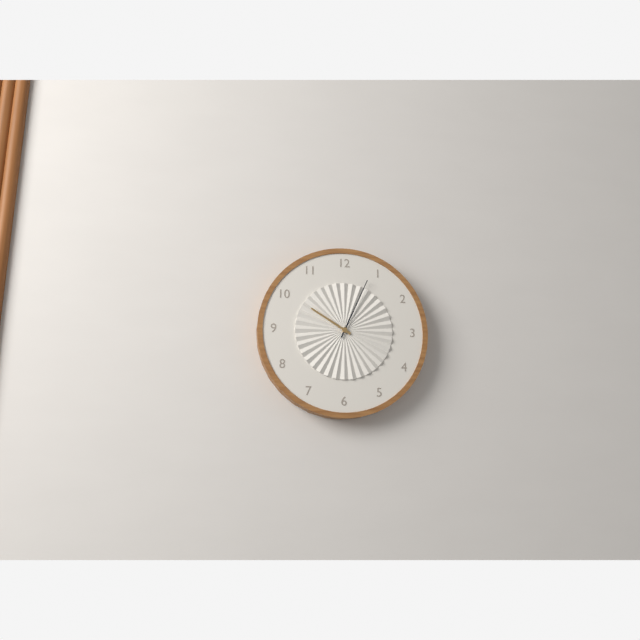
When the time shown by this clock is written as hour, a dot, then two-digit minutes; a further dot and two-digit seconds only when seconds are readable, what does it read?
10.04
